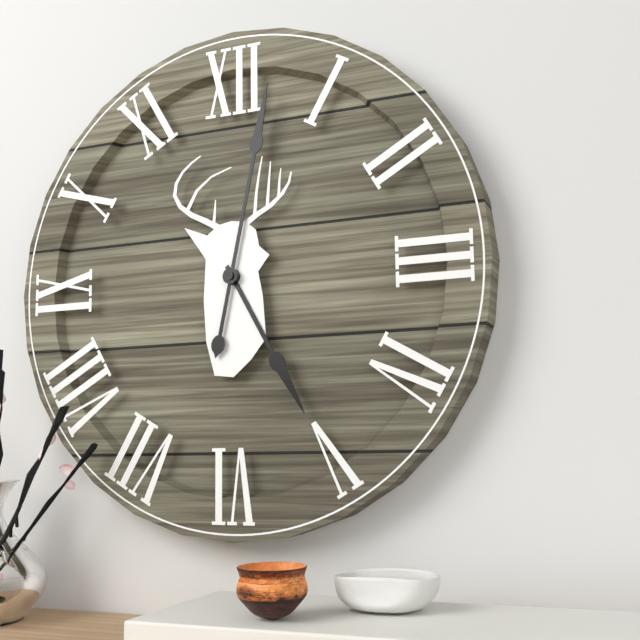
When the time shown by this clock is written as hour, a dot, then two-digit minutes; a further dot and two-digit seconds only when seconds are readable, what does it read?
5.02
